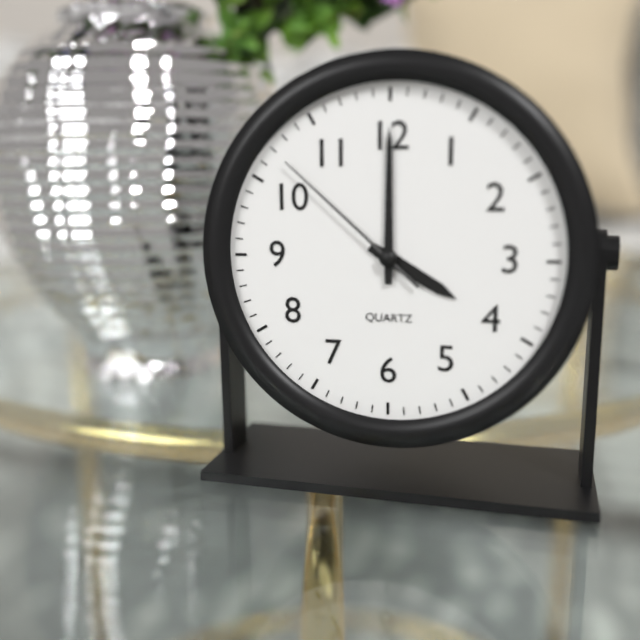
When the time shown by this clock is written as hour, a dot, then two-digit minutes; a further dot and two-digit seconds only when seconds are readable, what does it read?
4.00.52
